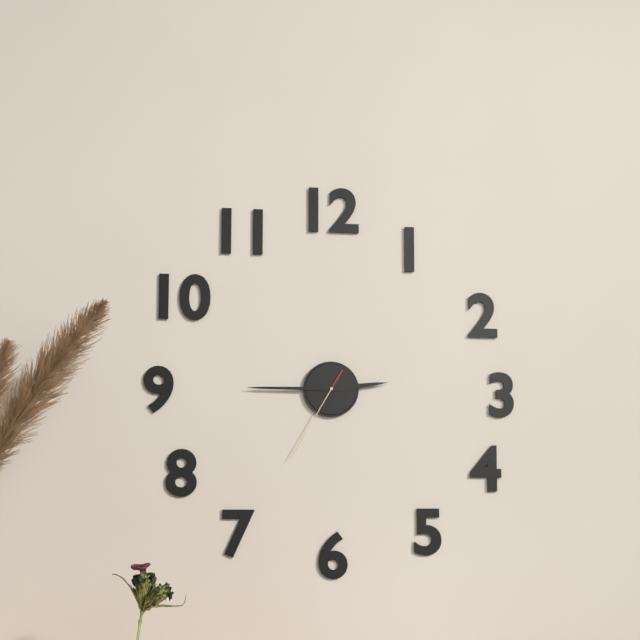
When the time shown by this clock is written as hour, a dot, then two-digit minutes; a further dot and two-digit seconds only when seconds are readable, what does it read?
2.45.35
